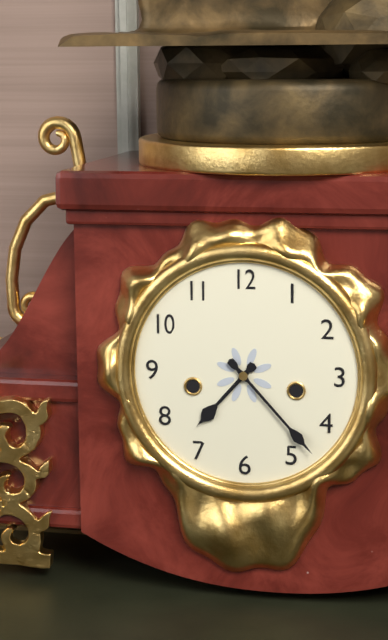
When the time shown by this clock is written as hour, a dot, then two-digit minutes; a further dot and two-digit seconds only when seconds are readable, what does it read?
7.23
